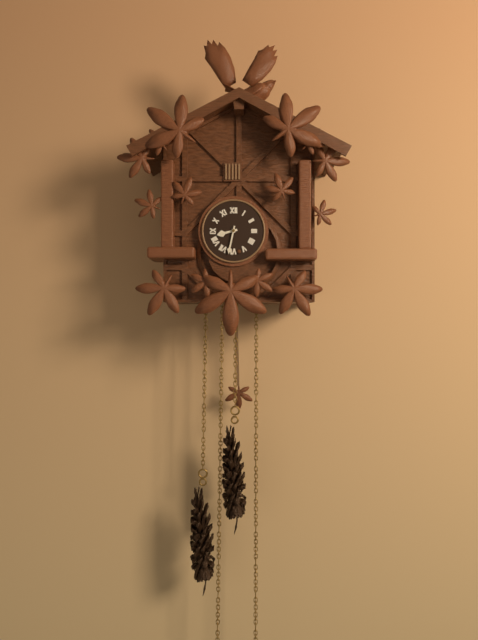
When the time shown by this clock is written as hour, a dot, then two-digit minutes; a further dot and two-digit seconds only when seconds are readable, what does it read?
8.32
